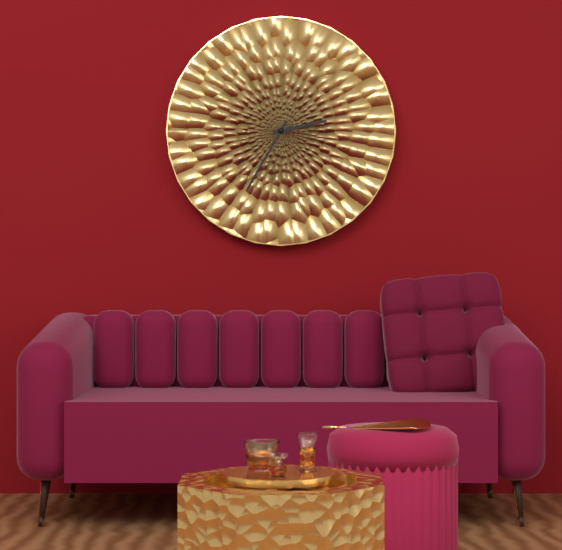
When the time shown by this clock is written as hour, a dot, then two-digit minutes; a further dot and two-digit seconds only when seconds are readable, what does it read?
2.35
